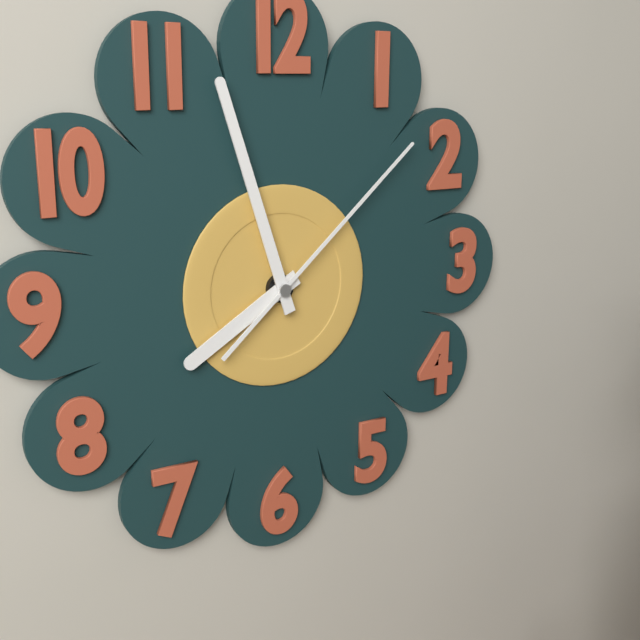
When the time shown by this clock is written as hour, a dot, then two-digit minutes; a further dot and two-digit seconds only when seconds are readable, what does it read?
7.57.08
